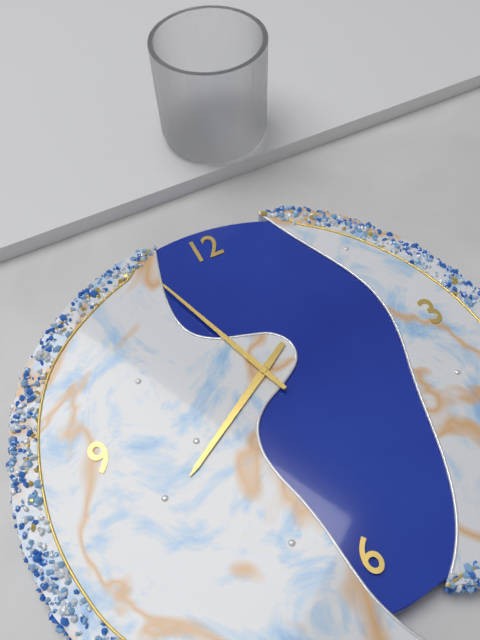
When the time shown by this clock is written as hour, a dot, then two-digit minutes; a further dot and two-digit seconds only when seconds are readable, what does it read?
7.57
